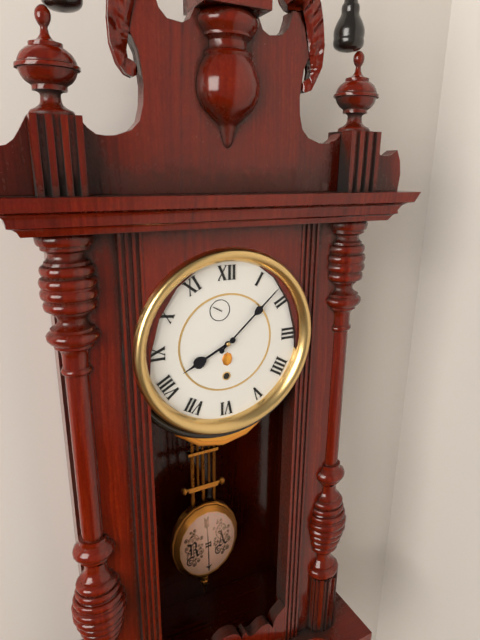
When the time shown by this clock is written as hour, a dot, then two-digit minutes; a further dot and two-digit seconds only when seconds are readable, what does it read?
8.08
